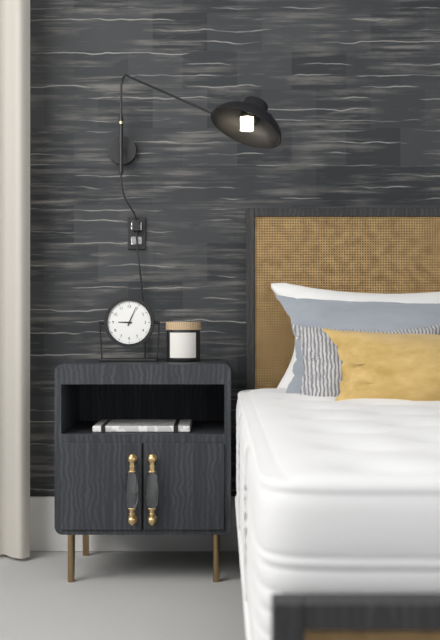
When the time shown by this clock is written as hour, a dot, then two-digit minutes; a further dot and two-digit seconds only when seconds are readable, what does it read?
9.04
